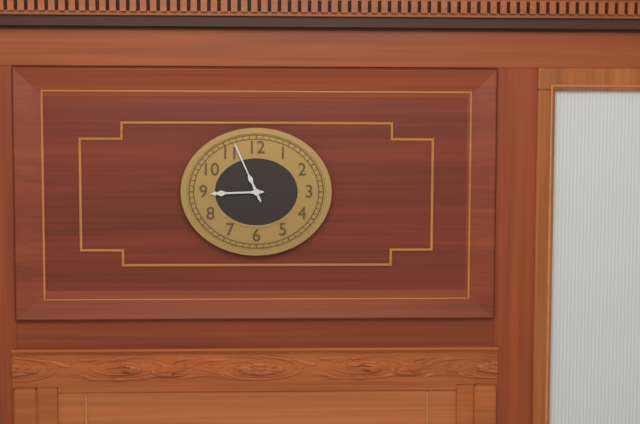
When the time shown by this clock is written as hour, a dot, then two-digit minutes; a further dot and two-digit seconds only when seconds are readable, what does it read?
8.56
